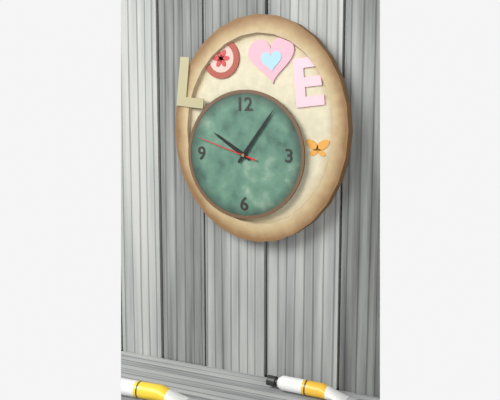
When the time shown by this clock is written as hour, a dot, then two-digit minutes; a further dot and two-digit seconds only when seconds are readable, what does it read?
10.06.48
